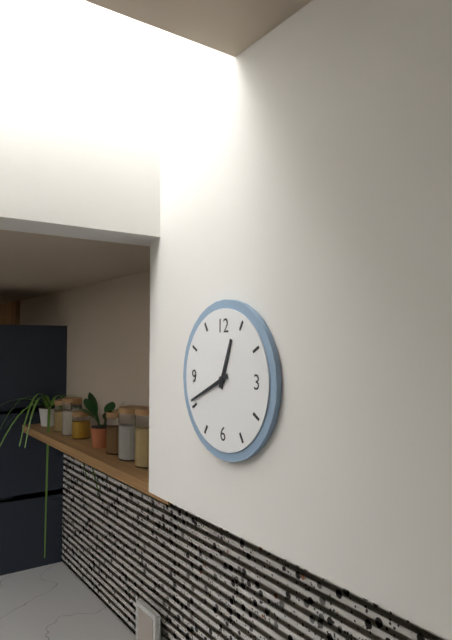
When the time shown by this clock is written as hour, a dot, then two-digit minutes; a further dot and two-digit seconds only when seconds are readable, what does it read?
12.41
